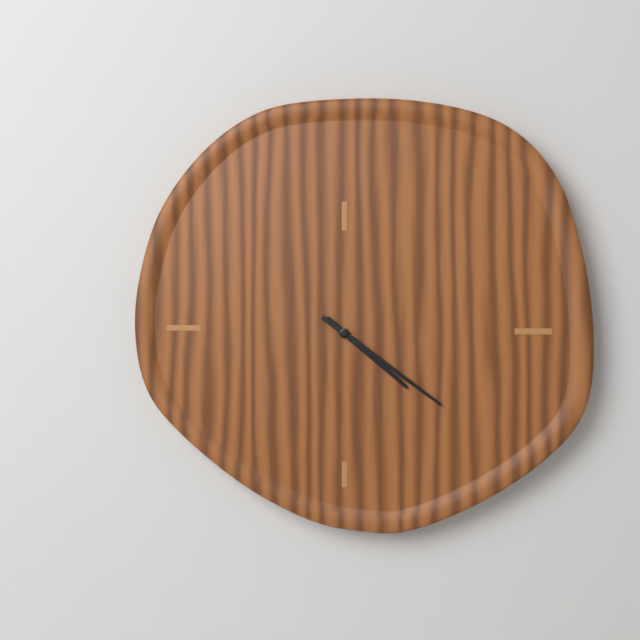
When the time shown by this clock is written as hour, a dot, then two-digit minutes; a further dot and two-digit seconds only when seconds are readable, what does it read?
4.21
